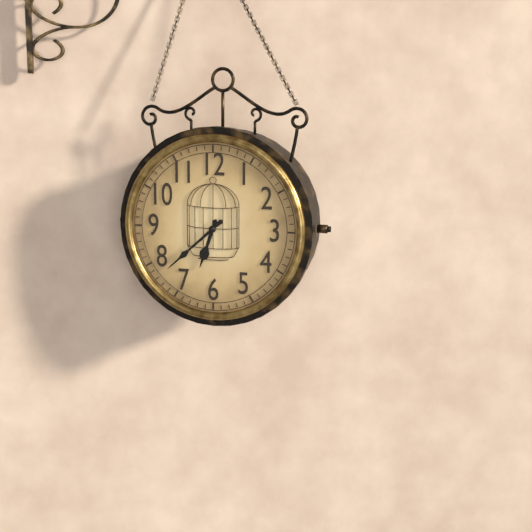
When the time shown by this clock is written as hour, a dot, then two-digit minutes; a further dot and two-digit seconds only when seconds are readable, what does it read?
6.38
